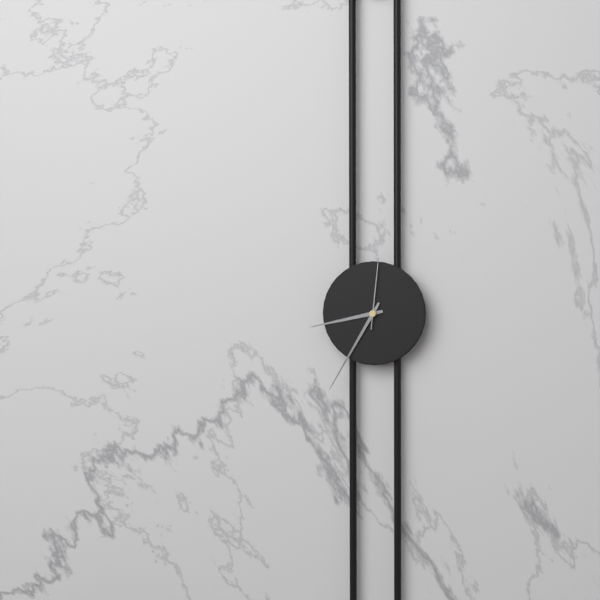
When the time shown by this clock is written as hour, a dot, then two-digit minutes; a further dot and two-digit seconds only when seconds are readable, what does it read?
8.35.01
